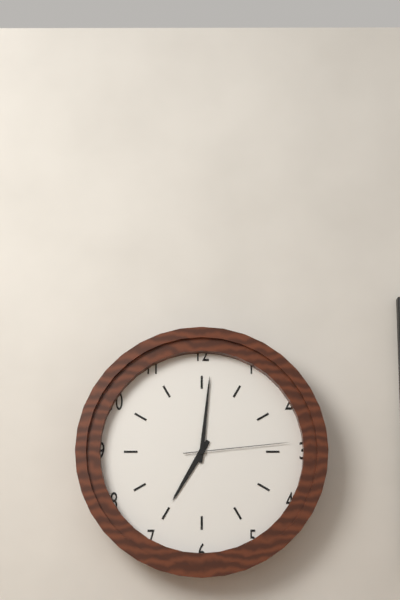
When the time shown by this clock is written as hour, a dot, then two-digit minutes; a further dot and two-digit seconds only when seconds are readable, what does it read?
7.01.14
